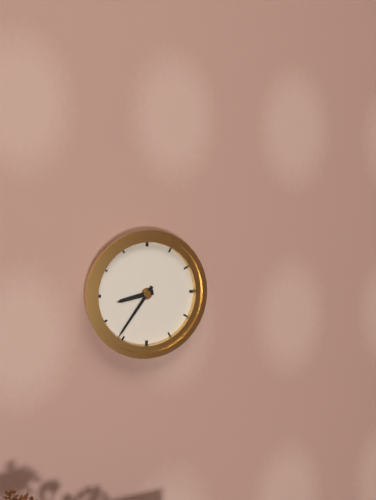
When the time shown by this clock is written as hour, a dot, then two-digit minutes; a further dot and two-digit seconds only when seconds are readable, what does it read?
8.36
